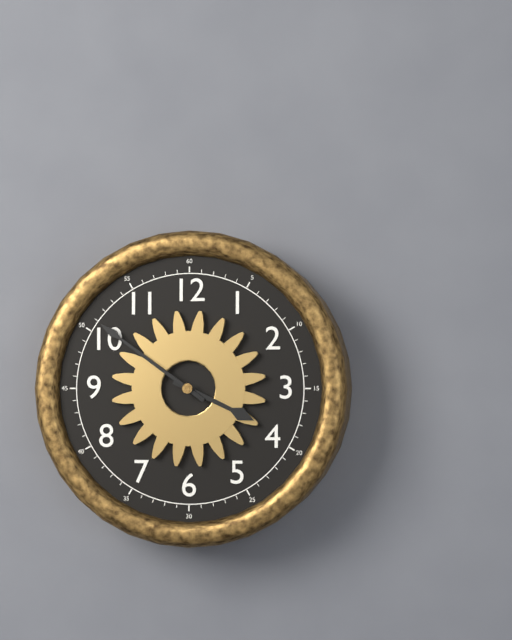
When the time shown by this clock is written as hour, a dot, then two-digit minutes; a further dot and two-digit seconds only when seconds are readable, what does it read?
3.51
